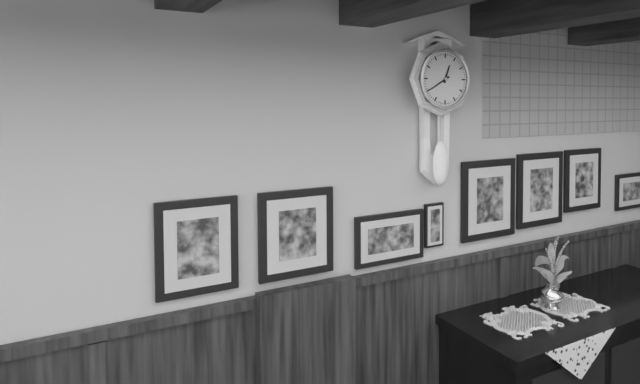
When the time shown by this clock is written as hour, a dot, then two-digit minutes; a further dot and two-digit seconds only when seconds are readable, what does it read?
12.40
